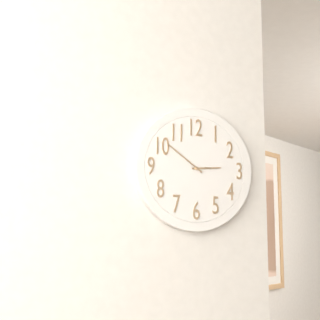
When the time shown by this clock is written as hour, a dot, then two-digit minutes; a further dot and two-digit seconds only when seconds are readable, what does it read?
2.51
